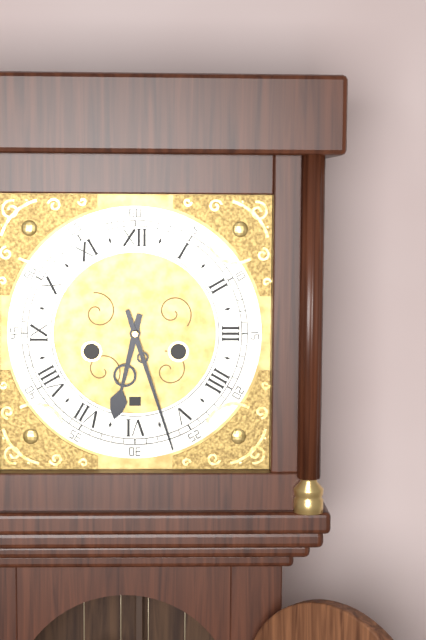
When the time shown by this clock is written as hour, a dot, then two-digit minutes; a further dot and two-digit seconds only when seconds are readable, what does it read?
6.27
